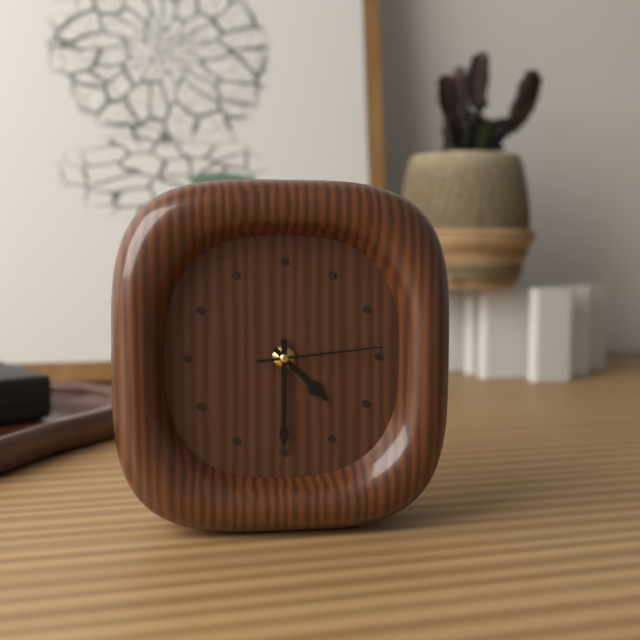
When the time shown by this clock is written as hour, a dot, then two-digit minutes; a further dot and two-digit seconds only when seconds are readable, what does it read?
4.30.14
